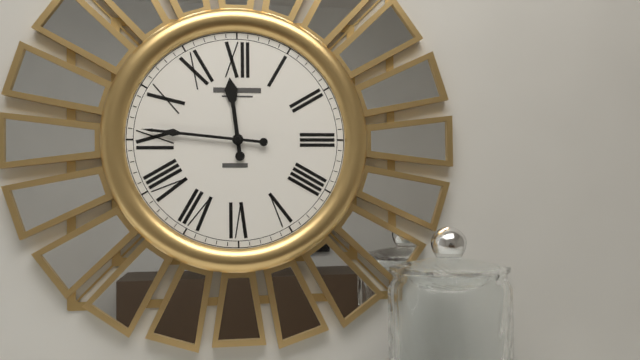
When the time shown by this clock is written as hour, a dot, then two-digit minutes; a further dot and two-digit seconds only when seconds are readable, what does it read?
11.46
